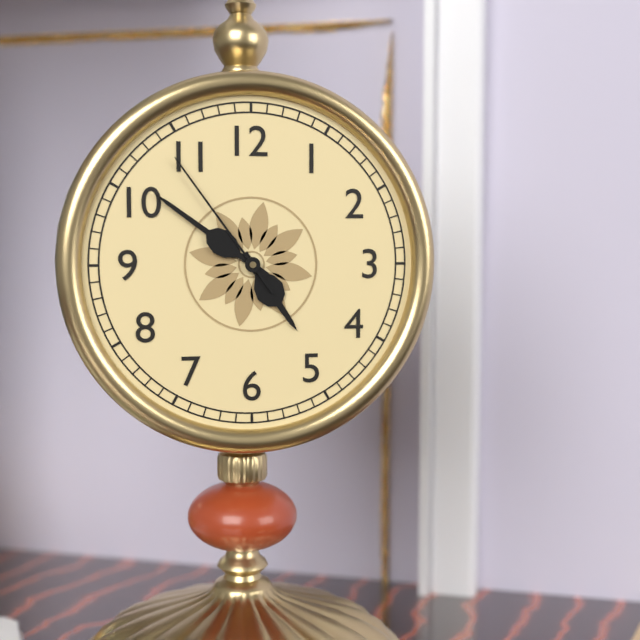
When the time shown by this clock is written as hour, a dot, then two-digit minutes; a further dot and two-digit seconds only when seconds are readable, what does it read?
4.51.54
